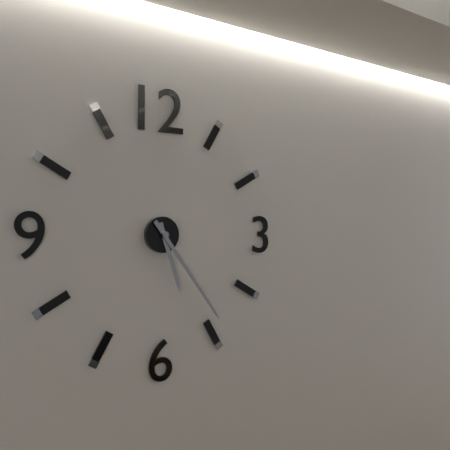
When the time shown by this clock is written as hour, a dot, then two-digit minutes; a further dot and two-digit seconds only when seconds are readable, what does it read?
5.24
